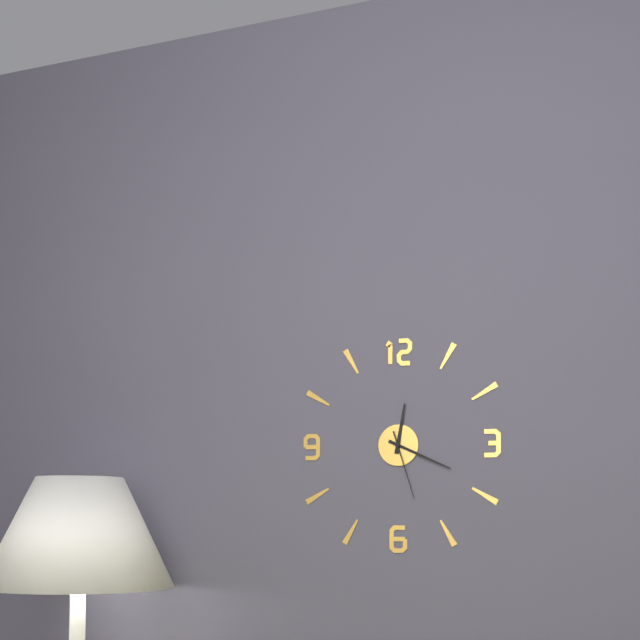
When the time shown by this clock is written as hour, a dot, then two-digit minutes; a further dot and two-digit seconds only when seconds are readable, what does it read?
12.19.27
